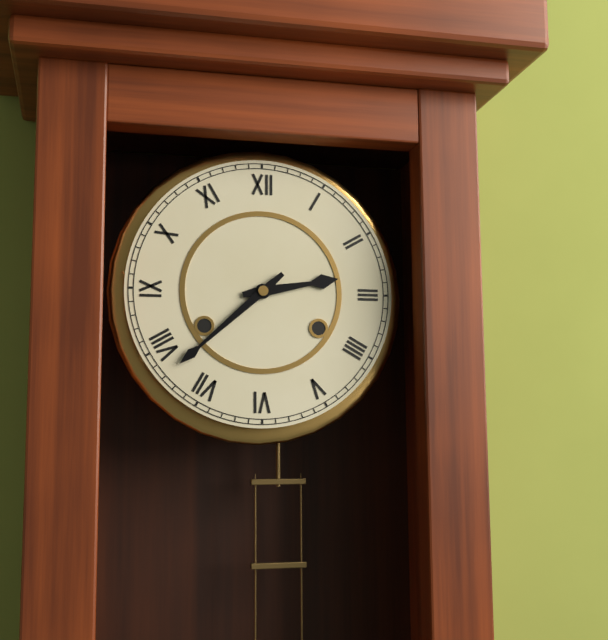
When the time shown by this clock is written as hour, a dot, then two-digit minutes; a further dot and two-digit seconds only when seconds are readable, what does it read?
2.38
